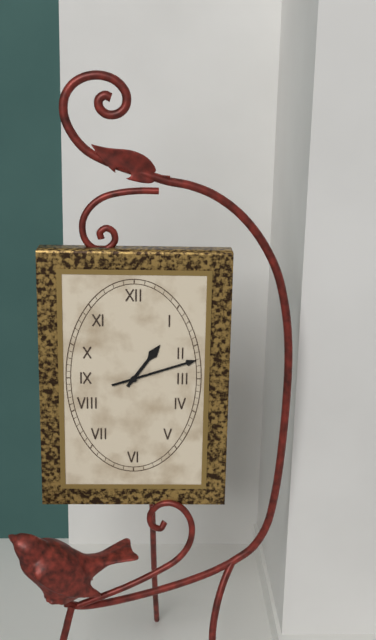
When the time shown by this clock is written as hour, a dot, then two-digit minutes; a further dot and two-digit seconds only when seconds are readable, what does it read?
1.12
